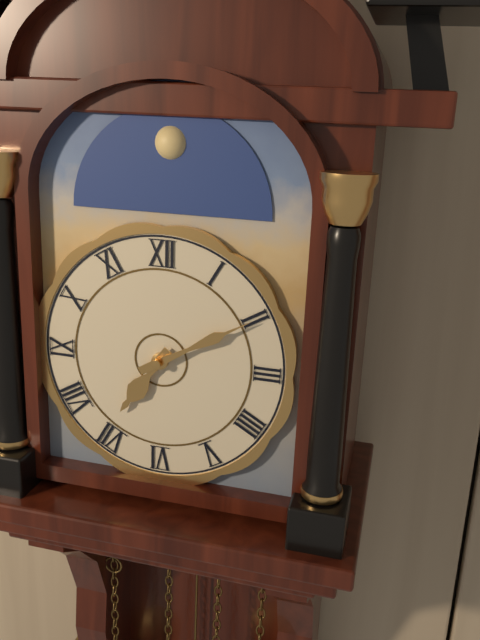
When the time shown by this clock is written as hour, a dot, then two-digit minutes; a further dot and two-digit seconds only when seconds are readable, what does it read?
7.10
